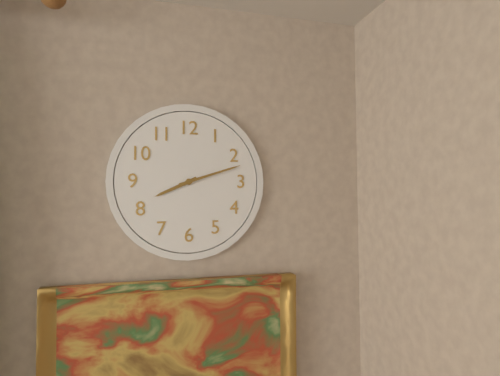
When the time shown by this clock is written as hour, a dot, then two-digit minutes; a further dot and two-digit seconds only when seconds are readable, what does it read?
8.12
